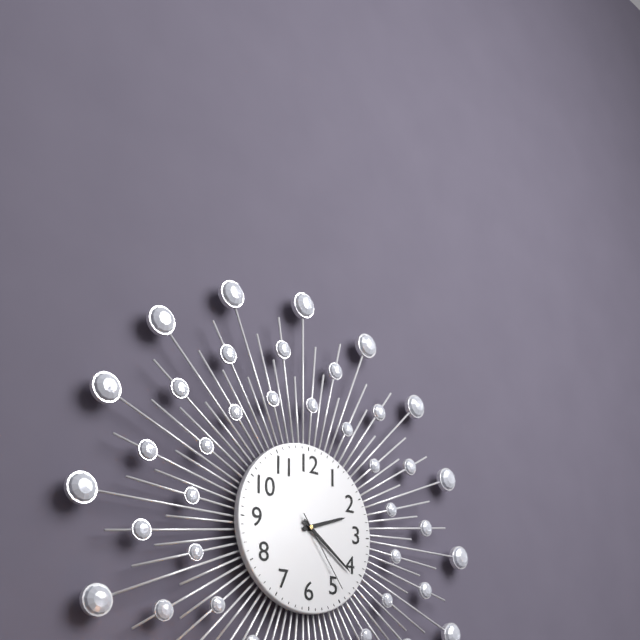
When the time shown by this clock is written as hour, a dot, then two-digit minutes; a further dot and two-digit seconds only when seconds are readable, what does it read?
2.21.24
